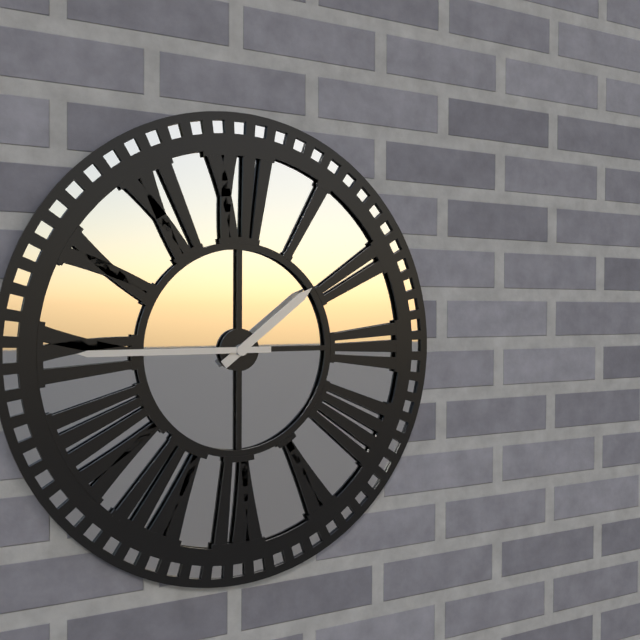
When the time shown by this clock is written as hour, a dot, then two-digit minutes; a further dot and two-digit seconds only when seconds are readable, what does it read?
1.45
